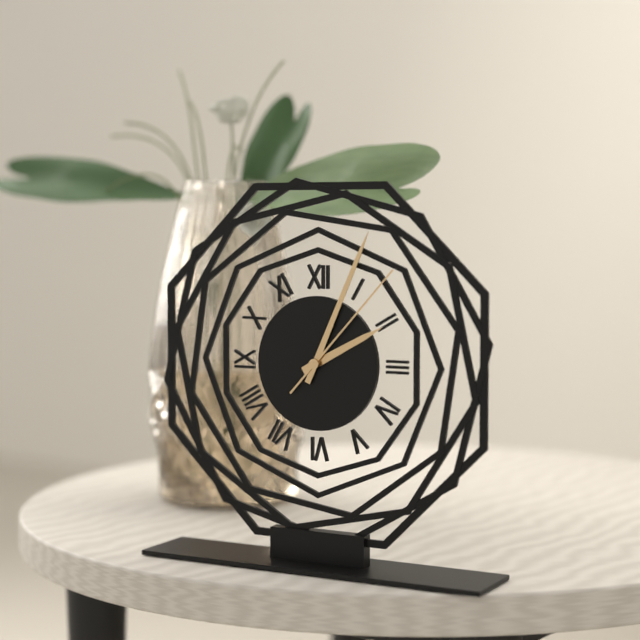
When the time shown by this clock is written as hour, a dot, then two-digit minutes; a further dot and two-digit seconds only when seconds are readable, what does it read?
2.04.07
